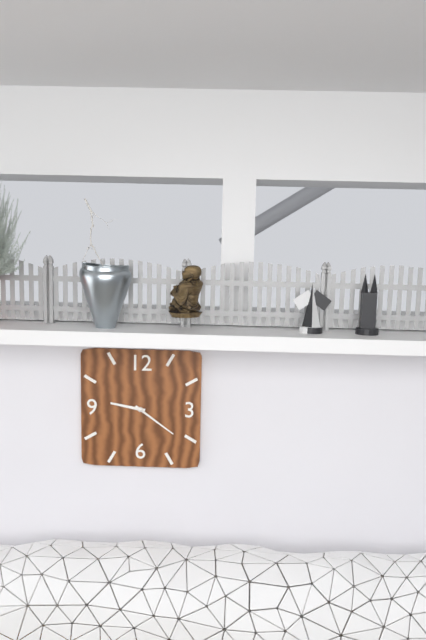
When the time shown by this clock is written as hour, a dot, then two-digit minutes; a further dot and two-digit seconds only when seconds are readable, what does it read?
9.21
